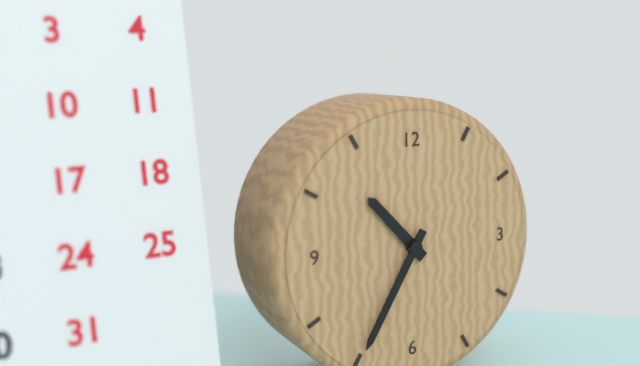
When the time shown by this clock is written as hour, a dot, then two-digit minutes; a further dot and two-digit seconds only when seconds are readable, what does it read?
10.35
